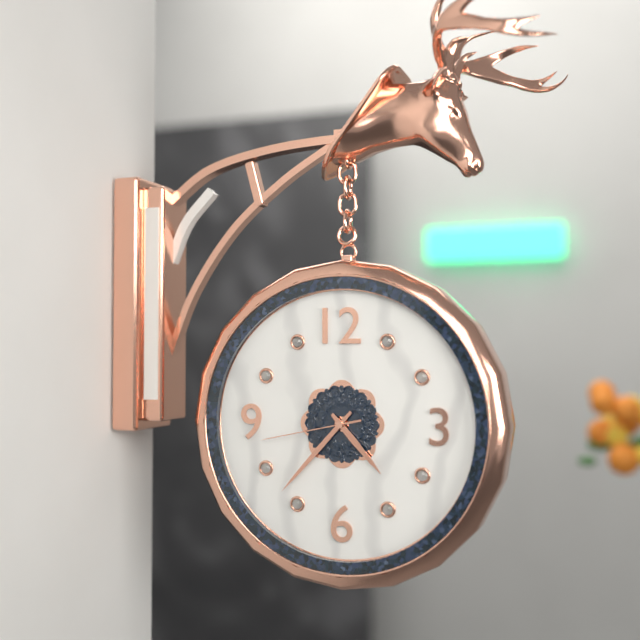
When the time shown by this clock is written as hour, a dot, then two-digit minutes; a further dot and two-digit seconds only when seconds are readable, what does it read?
4.37.43
